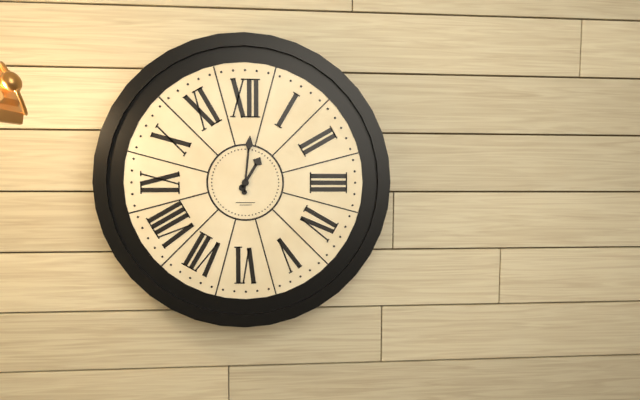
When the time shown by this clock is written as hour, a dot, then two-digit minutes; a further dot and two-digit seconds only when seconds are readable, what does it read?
1.01
